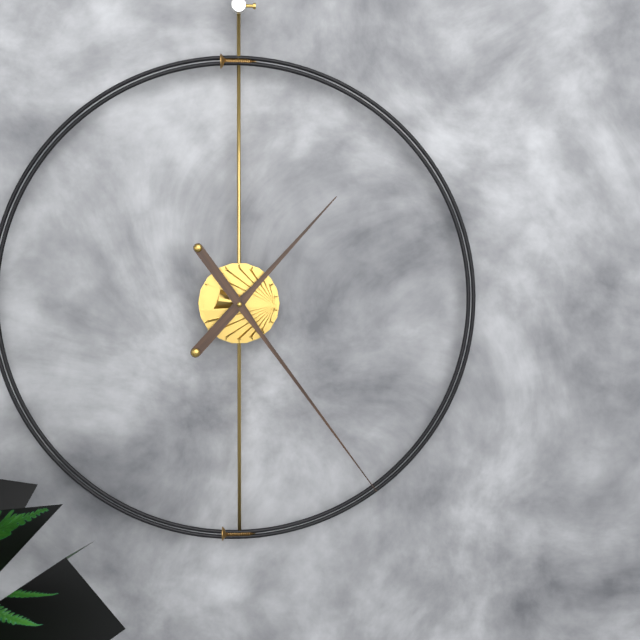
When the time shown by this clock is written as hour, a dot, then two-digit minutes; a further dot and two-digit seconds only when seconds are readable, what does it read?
1.24
